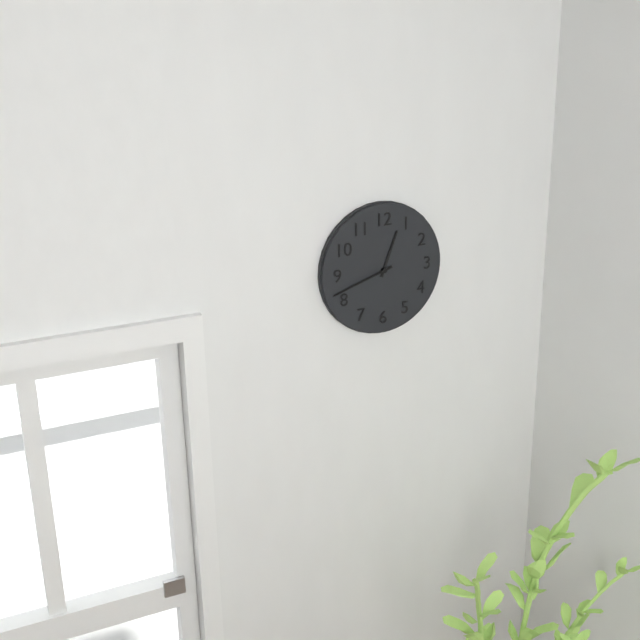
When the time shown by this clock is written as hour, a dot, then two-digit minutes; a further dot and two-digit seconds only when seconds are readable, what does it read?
12.42
